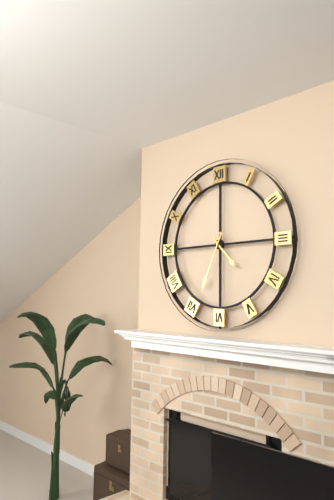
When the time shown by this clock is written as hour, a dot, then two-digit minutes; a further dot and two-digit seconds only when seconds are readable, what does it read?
4.34
